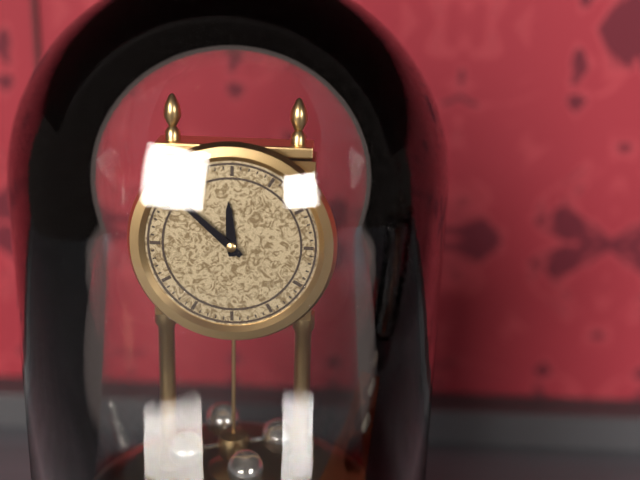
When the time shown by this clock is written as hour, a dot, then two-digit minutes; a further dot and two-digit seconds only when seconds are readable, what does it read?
11.52
